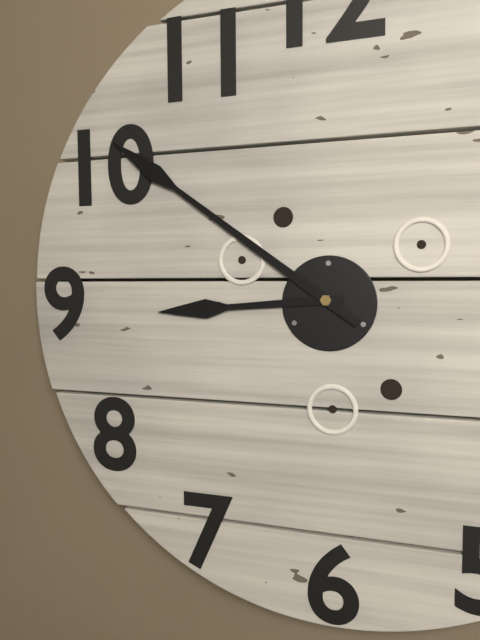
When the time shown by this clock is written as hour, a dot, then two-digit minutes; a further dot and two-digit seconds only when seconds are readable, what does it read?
8.51
